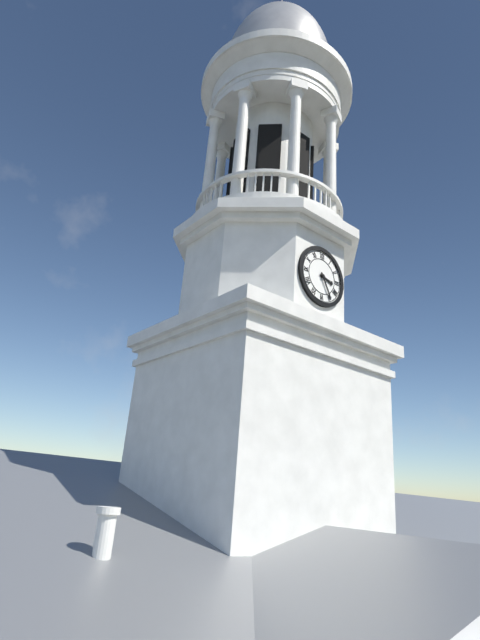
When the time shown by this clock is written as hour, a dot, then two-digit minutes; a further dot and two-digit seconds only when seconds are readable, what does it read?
3.25
